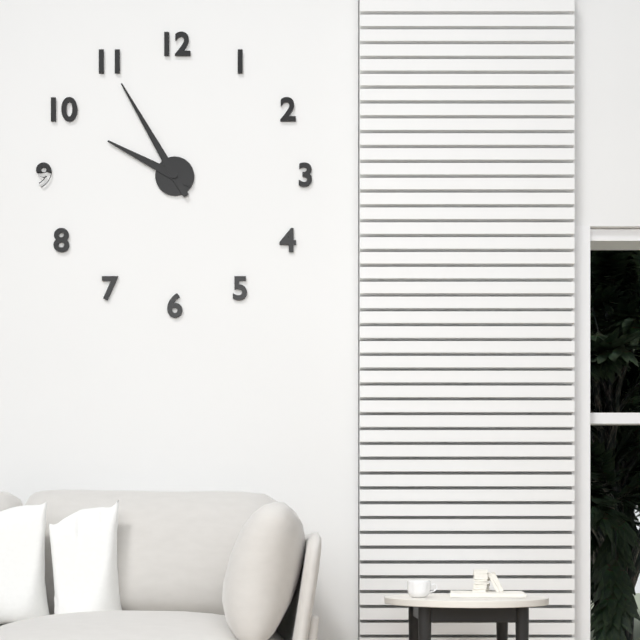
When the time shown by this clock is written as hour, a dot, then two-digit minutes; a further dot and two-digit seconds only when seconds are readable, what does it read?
9.55
